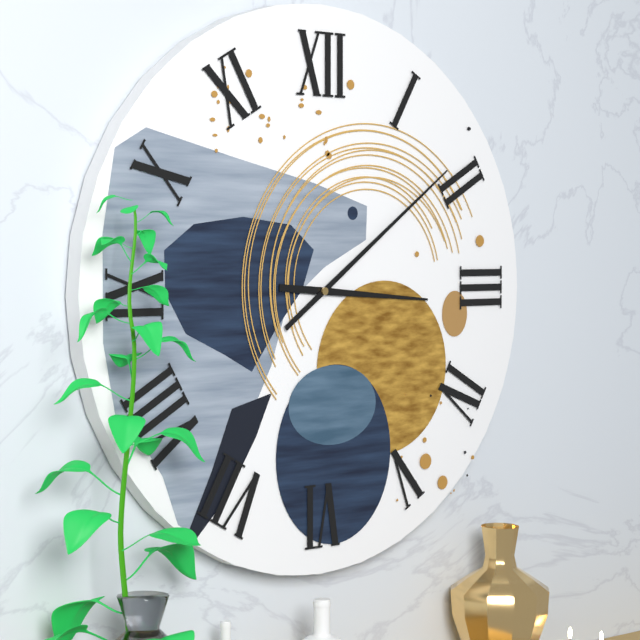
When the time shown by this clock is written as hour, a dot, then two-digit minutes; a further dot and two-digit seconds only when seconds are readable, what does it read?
3.09
